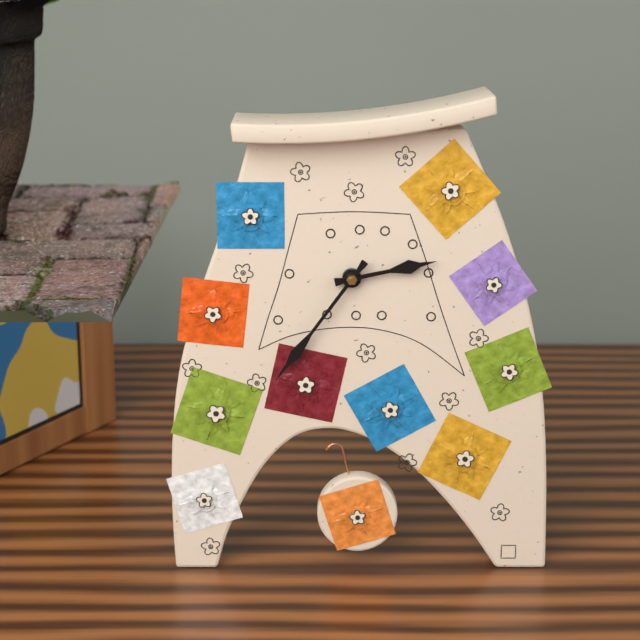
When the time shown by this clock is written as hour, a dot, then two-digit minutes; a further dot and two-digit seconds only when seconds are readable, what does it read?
2.36
